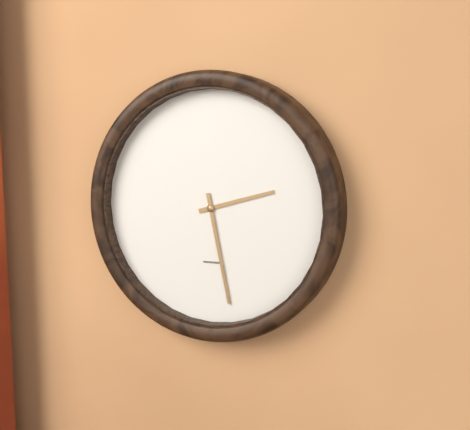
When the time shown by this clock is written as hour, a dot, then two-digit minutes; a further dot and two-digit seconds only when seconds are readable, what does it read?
2.28
